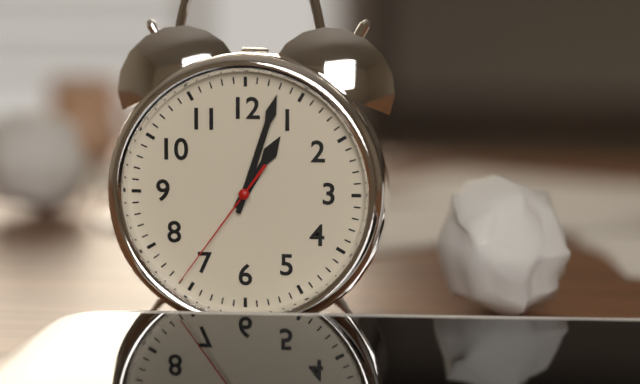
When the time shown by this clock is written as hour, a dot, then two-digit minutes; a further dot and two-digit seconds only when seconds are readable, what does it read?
1.03.36
